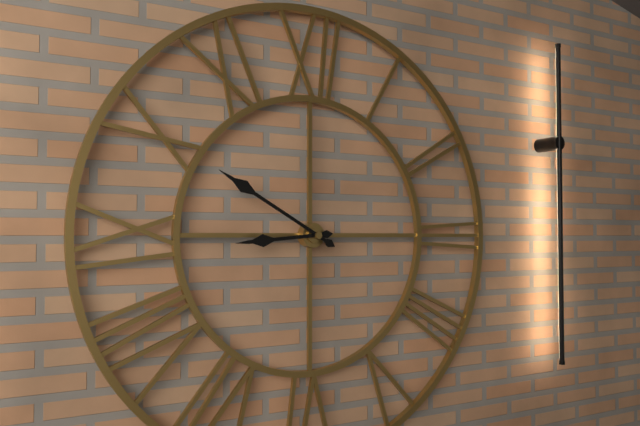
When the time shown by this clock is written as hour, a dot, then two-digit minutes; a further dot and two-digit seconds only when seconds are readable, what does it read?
8.50
